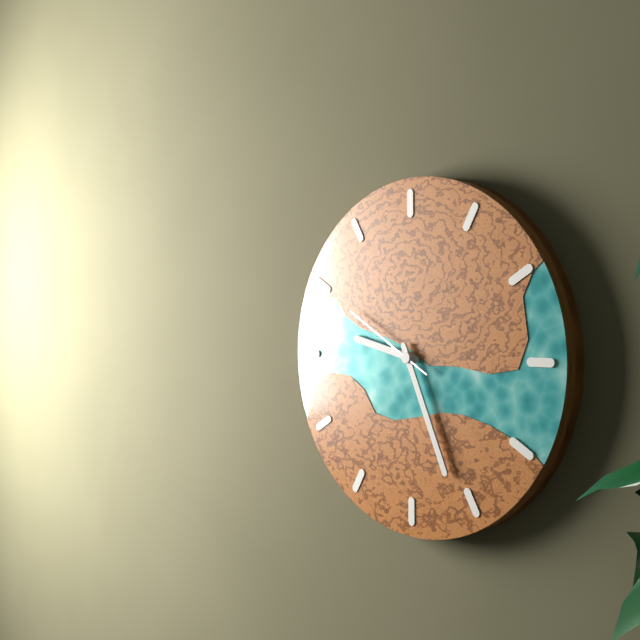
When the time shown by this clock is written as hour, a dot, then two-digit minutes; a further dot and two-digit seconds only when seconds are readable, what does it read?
9.26.50
